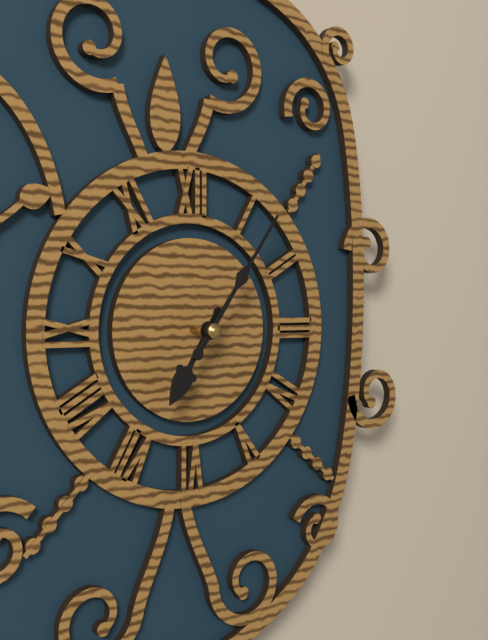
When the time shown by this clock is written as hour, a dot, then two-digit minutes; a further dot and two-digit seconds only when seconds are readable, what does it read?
7.06
